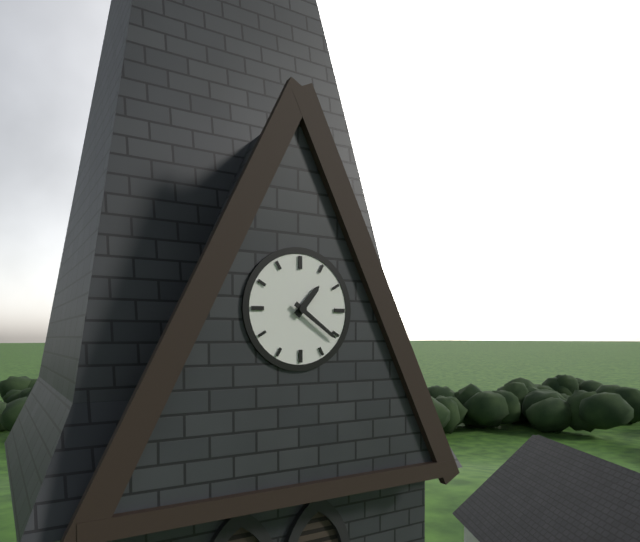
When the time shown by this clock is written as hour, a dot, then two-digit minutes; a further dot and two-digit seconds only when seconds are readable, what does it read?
1.21
